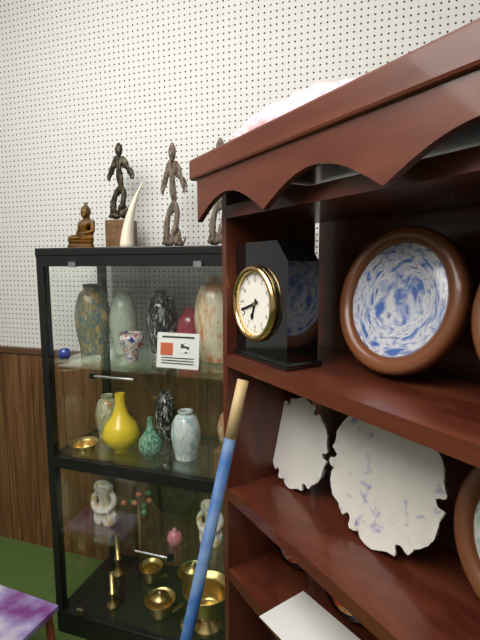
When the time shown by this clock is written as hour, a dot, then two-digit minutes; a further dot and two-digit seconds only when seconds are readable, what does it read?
6.42
